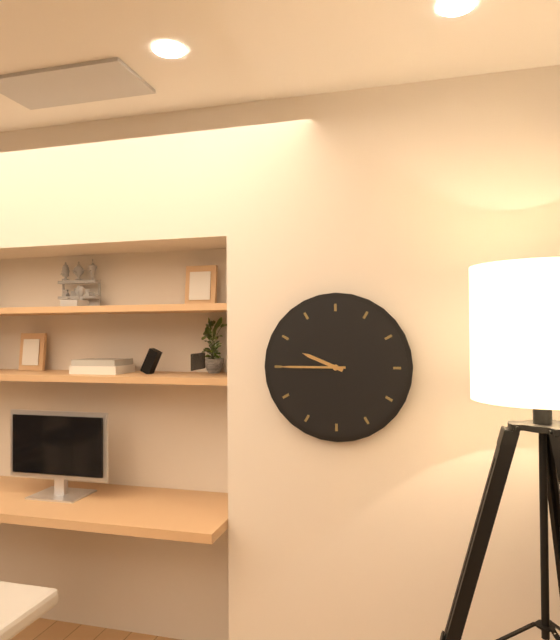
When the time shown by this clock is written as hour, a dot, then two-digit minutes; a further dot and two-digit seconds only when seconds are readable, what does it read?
9.45
